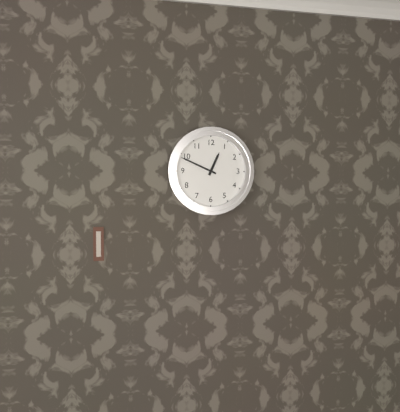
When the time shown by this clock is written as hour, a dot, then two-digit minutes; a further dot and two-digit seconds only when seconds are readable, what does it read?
12.49
